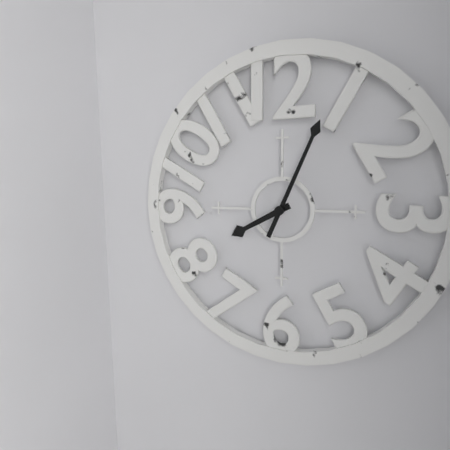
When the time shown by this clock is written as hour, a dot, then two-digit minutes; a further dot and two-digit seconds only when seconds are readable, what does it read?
8.04
